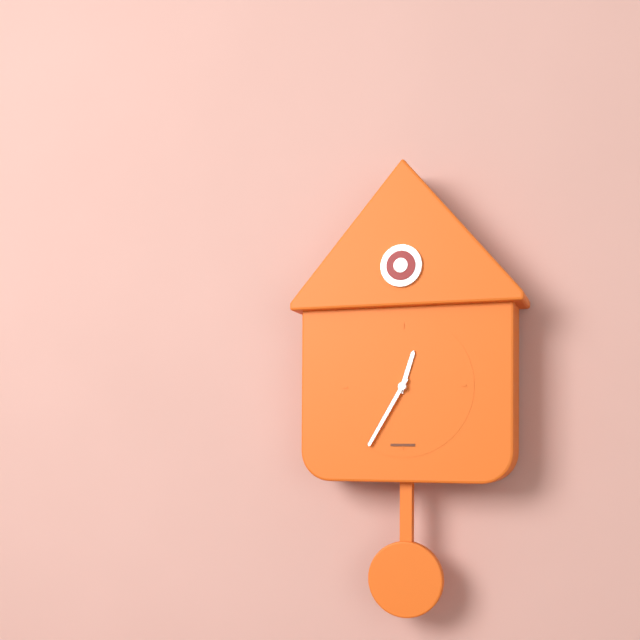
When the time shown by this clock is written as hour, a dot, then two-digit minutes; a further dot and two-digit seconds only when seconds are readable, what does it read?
12.35
